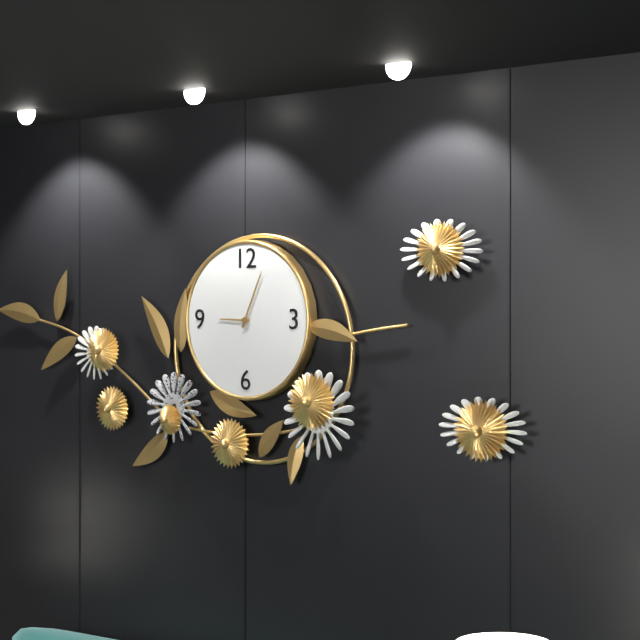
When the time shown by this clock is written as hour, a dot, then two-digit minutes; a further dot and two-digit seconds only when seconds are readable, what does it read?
9.04
